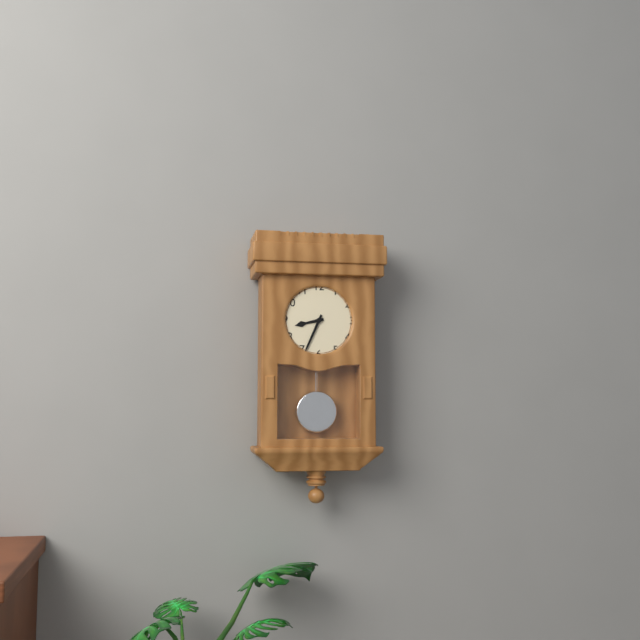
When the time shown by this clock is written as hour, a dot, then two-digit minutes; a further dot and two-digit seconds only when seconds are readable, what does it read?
8.34
